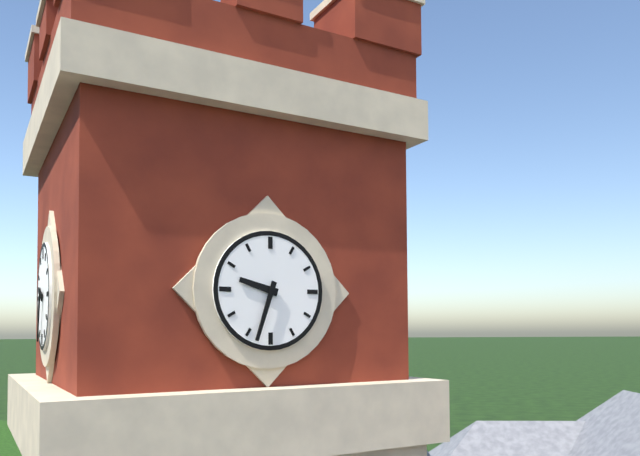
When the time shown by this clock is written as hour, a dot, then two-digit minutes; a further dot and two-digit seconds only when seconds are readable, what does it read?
9.33
